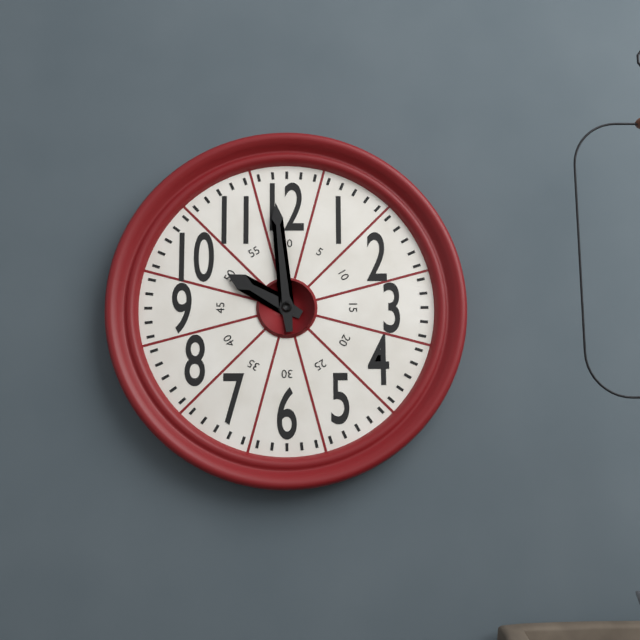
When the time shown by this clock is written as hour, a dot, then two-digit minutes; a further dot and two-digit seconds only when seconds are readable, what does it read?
9.59
